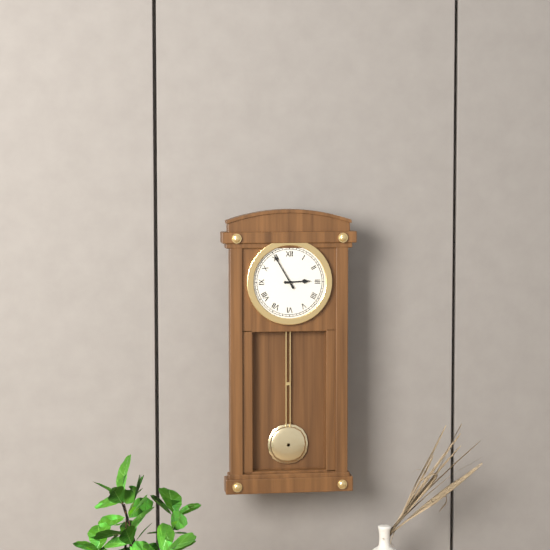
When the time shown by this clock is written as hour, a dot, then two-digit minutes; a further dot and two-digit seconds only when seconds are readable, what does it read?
2.55
